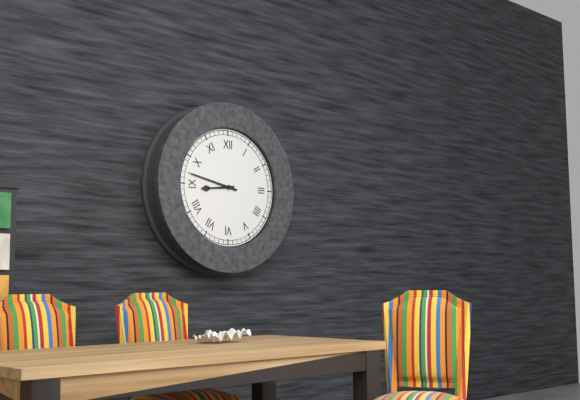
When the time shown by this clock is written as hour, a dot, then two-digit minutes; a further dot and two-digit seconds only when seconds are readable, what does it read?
8.47
